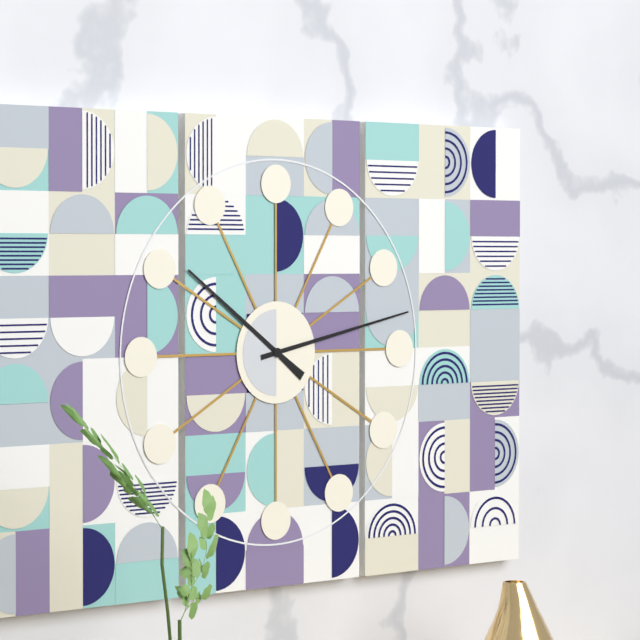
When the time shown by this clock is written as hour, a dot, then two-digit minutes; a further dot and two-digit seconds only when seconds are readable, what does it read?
10.13
